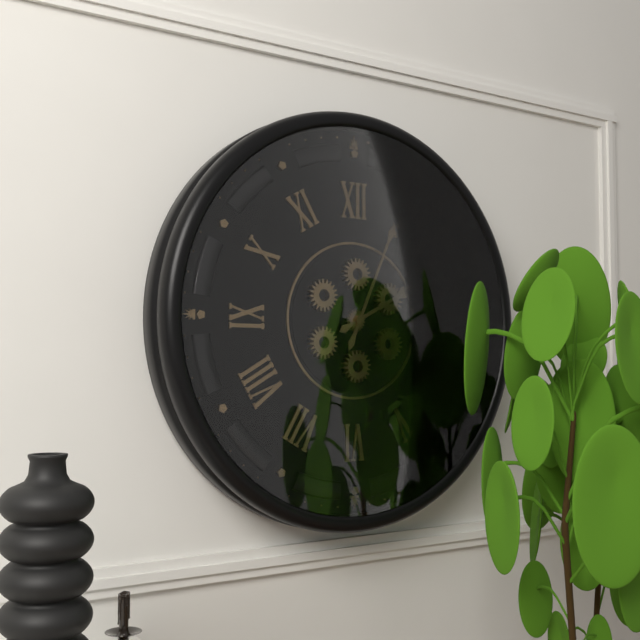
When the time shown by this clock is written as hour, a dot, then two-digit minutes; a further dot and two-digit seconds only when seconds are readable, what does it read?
2.04
